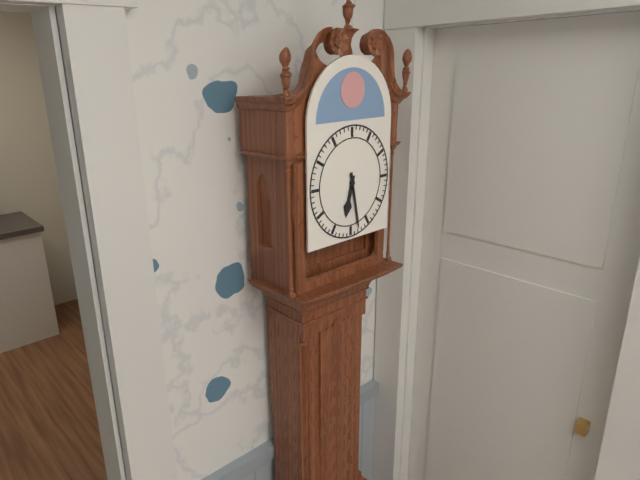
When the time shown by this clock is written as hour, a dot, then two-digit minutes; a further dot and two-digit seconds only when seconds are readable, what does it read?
6.28
